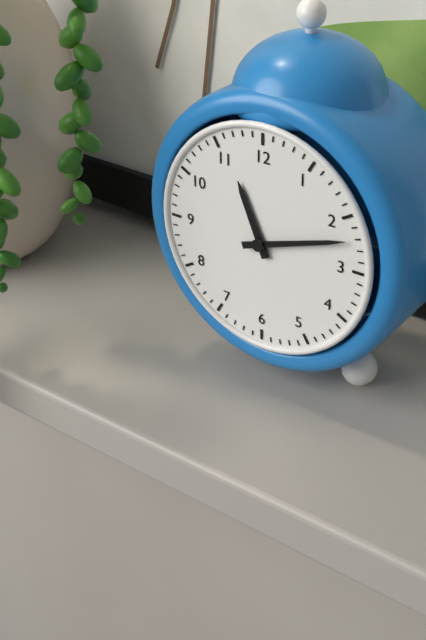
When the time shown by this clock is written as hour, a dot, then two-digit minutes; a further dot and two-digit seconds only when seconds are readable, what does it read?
11.12
